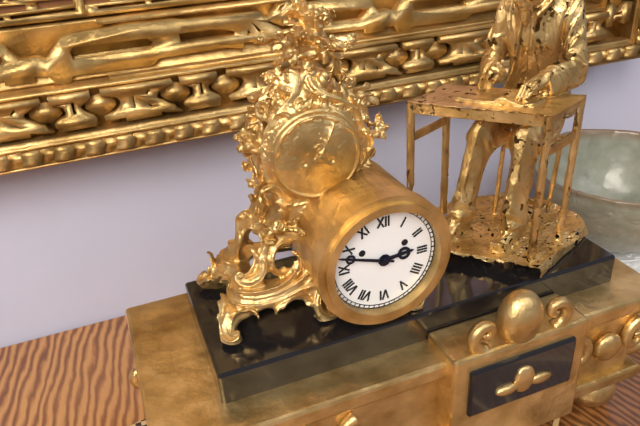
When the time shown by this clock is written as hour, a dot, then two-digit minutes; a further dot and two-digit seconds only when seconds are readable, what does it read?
2.48
